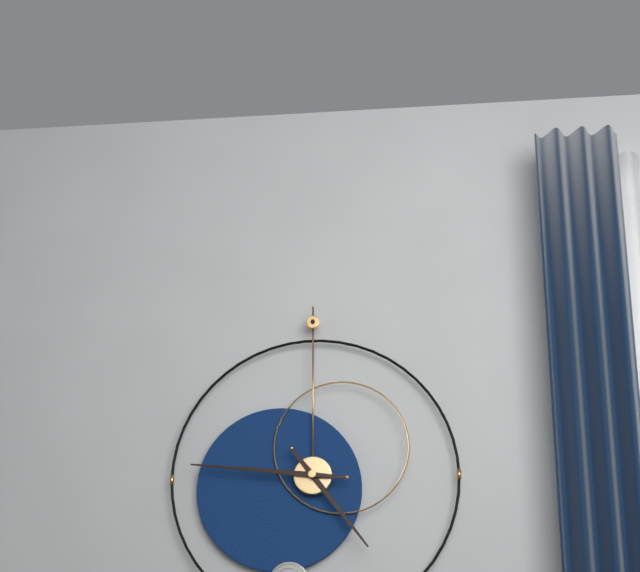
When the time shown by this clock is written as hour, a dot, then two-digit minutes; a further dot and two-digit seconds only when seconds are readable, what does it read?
4.46
